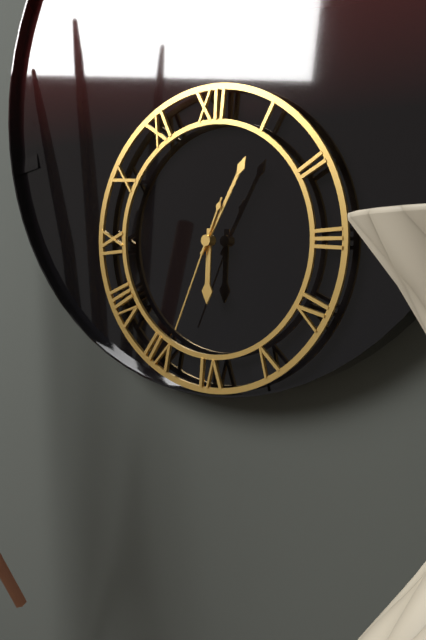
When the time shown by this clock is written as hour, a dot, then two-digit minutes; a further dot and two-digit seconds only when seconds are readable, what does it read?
6.05.34
